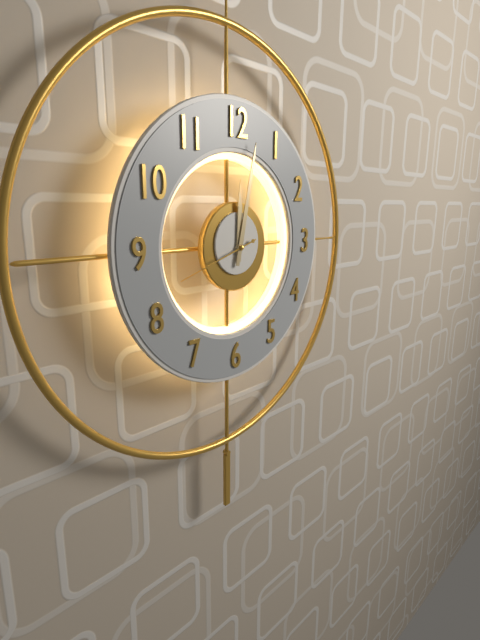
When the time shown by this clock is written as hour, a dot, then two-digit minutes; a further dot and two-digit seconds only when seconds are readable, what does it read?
12.02.42
